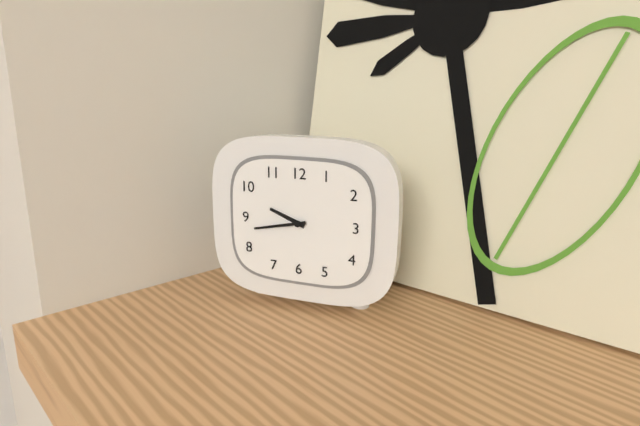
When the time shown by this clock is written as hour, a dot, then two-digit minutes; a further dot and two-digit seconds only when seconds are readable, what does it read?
9.43
